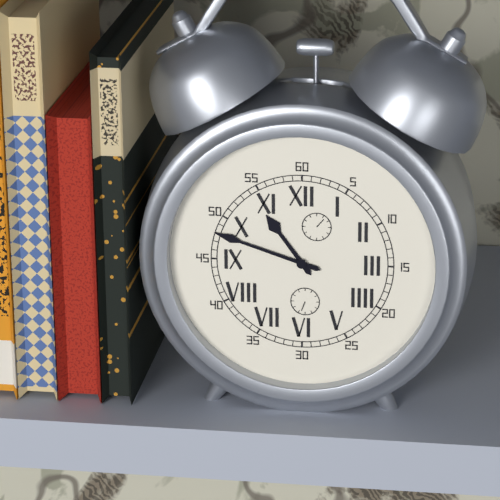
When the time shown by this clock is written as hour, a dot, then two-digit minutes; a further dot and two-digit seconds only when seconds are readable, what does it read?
10.48
